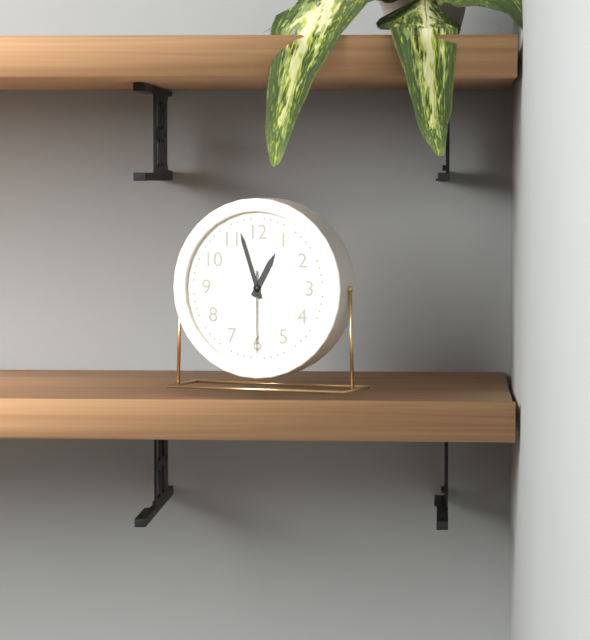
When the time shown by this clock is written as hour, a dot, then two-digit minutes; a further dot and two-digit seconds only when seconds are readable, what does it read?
12.57.30
